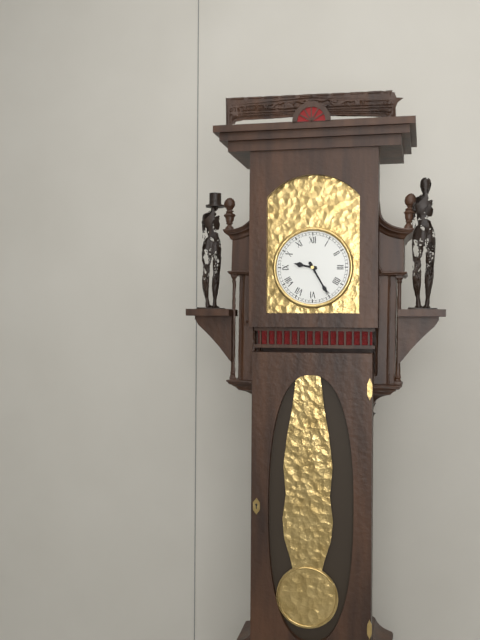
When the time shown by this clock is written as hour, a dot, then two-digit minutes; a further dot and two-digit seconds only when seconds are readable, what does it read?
9.25
